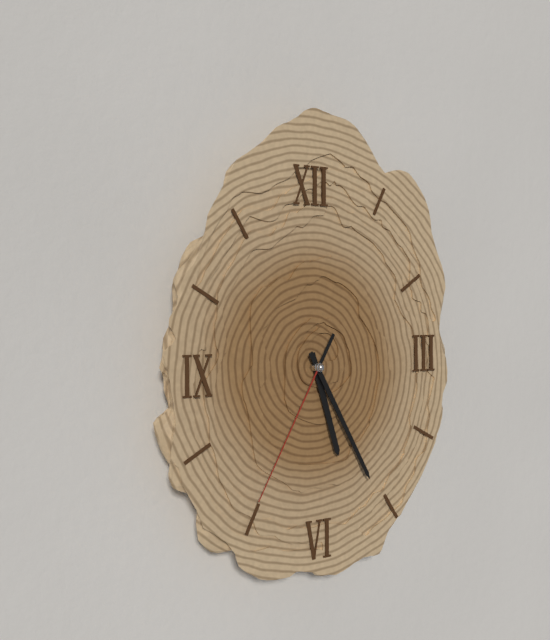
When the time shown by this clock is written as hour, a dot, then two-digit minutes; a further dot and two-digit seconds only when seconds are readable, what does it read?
5.25.35
